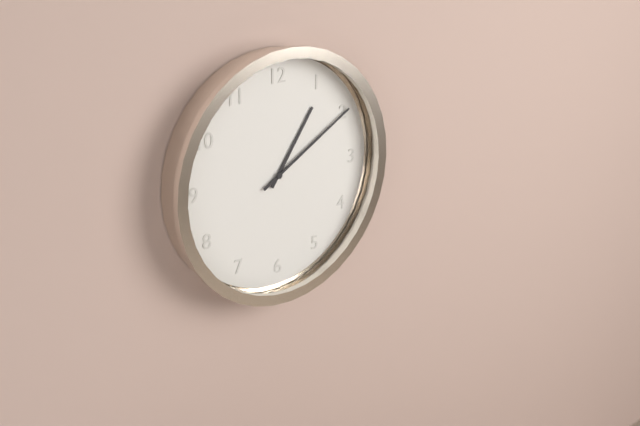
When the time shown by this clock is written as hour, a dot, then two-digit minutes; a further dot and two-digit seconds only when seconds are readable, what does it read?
1.10
